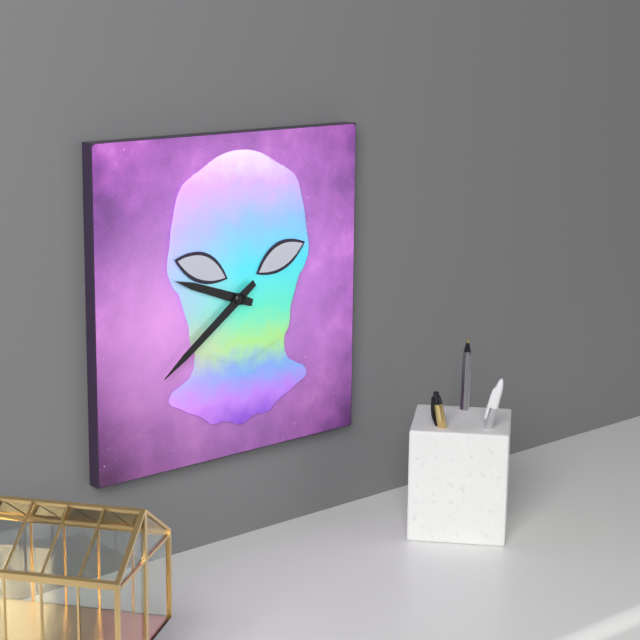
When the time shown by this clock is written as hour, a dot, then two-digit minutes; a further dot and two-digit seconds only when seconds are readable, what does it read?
9.39
